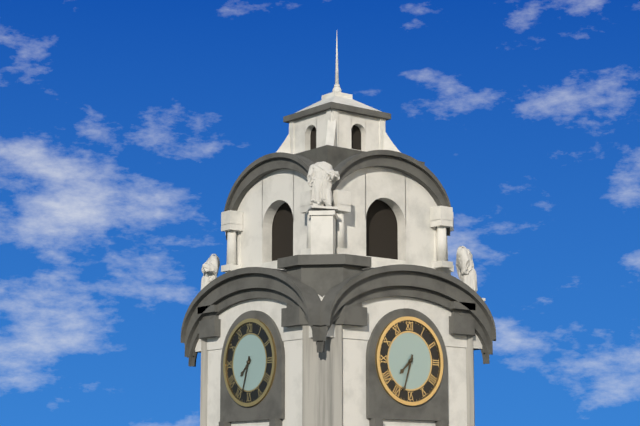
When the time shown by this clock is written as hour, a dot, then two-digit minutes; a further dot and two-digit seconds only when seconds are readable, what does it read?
7.33
